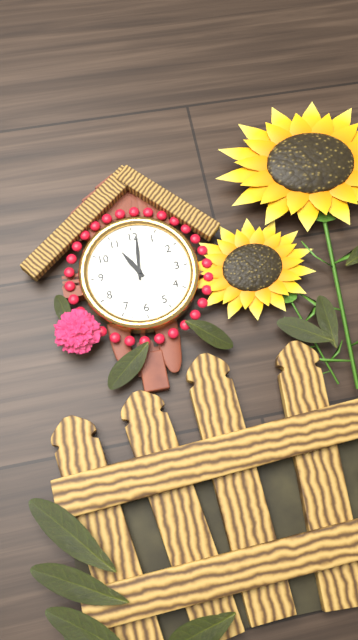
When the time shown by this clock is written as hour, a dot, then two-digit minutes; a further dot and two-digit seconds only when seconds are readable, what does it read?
11.01
